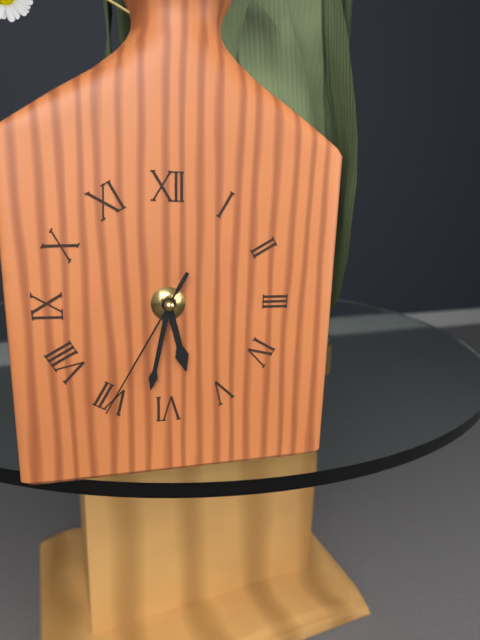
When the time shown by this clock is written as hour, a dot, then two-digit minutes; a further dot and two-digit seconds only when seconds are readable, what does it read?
5.32.35
